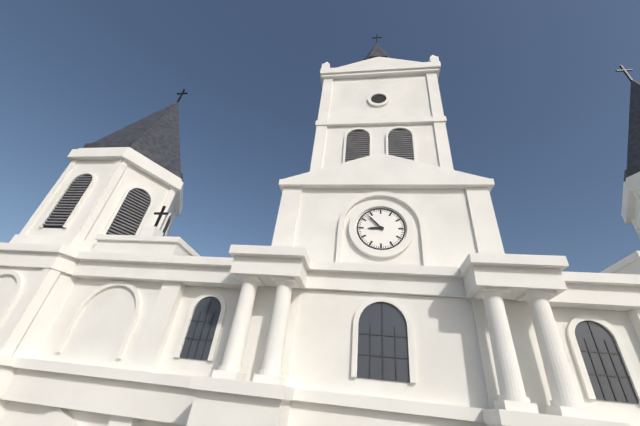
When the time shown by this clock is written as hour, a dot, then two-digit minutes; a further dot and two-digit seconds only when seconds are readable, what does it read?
8.53
